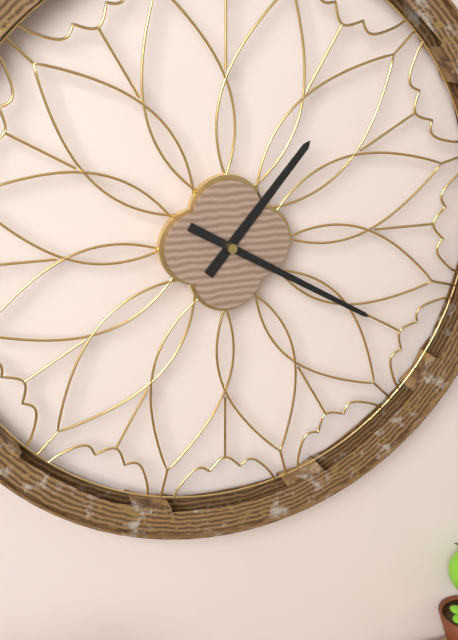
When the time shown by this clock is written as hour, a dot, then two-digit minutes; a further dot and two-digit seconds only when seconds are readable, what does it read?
1.20
